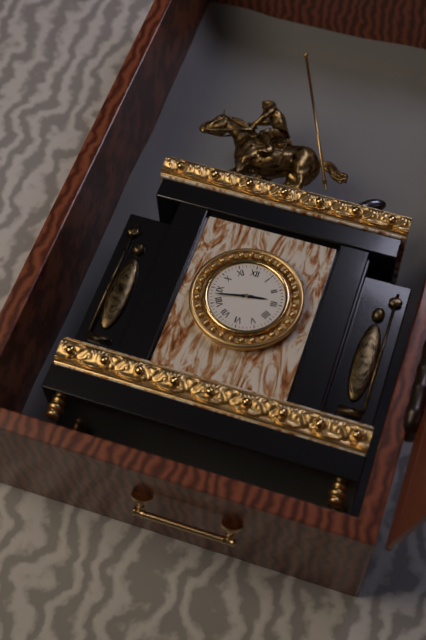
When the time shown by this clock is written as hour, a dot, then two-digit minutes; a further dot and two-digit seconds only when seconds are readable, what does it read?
2.43
